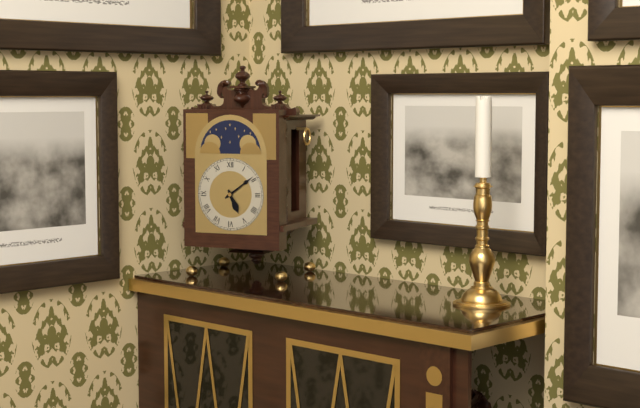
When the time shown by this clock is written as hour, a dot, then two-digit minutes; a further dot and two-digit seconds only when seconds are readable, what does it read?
5.09
